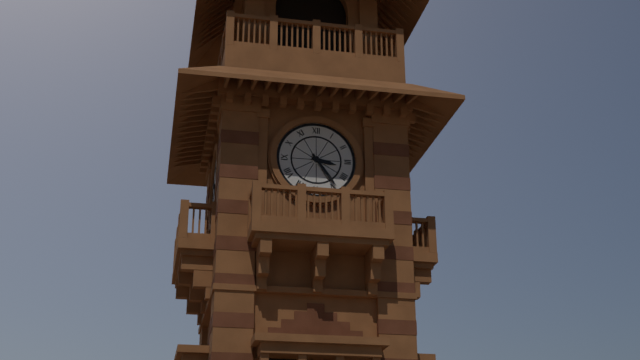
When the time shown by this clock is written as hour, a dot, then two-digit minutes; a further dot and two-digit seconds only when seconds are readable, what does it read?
3.24
